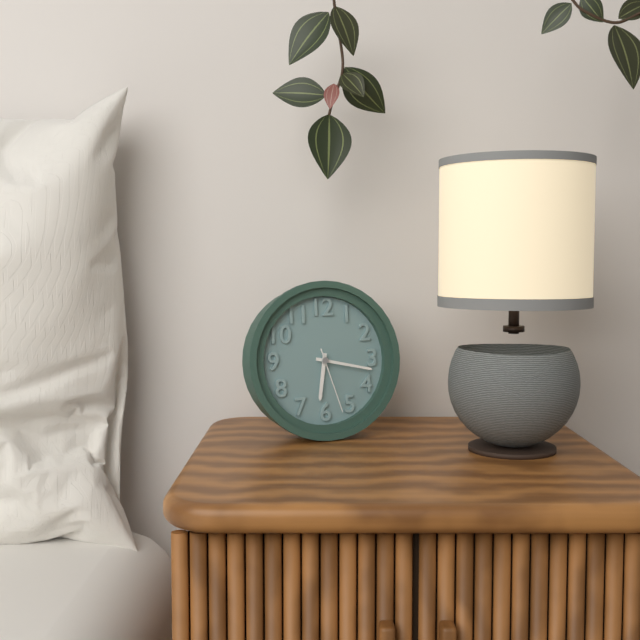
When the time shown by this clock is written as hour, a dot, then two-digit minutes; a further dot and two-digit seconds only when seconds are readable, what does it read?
6.17.27
